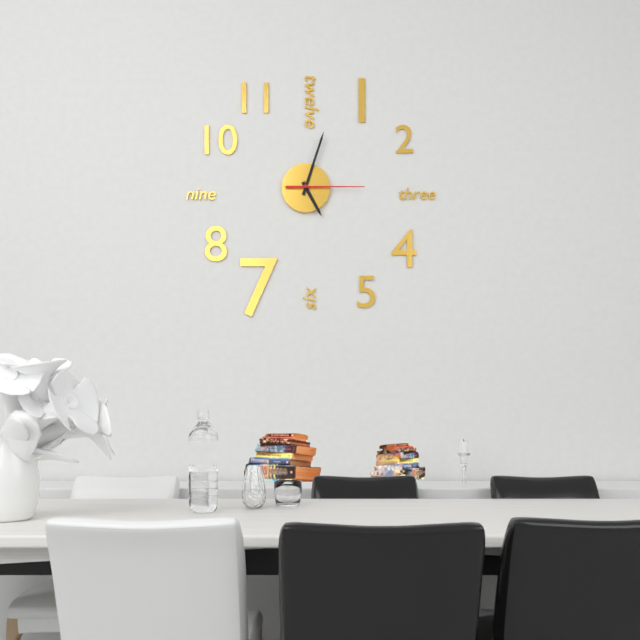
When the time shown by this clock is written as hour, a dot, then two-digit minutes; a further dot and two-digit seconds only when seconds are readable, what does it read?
5.03.15
